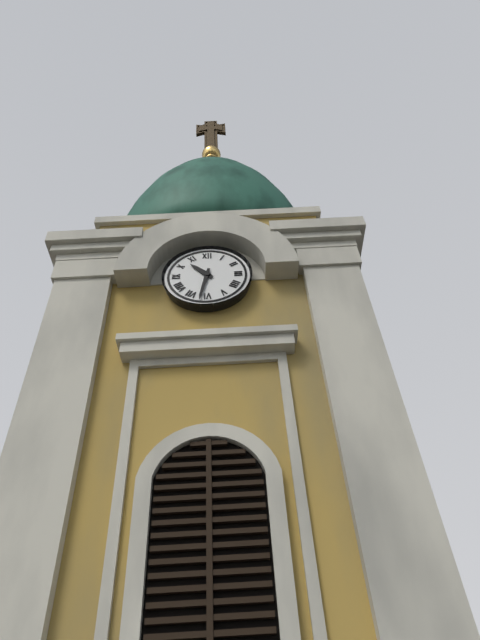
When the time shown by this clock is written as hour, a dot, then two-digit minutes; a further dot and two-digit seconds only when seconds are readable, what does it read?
10.32
